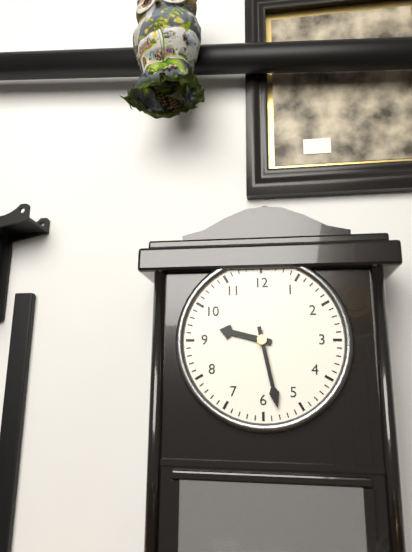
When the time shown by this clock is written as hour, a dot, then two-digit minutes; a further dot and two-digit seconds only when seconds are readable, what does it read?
9.28
